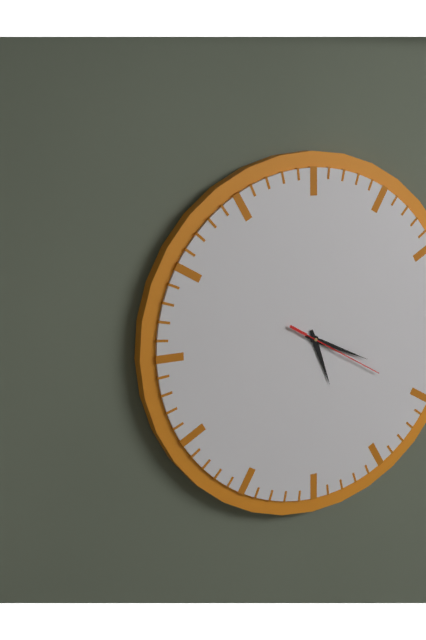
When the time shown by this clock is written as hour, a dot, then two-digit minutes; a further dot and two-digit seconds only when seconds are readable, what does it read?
5.19.20
